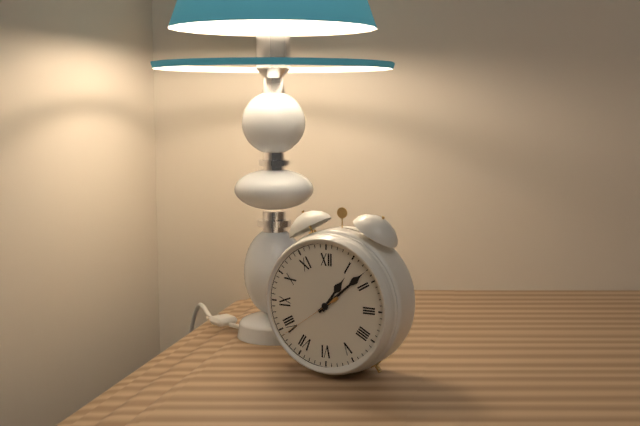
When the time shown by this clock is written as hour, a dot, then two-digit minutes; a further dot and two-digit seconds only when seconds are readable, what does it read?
1.08.39
